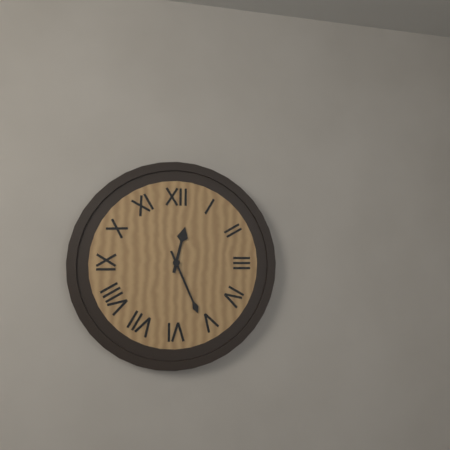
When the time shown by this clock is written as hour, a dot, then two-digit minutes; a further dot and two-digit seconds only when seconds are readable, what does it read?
12.26
